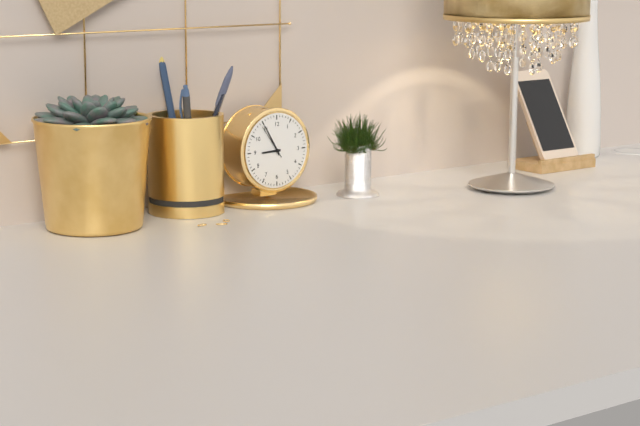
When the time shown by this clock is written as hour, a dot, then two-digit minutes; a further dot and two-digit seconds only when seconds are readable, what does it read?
8.55
